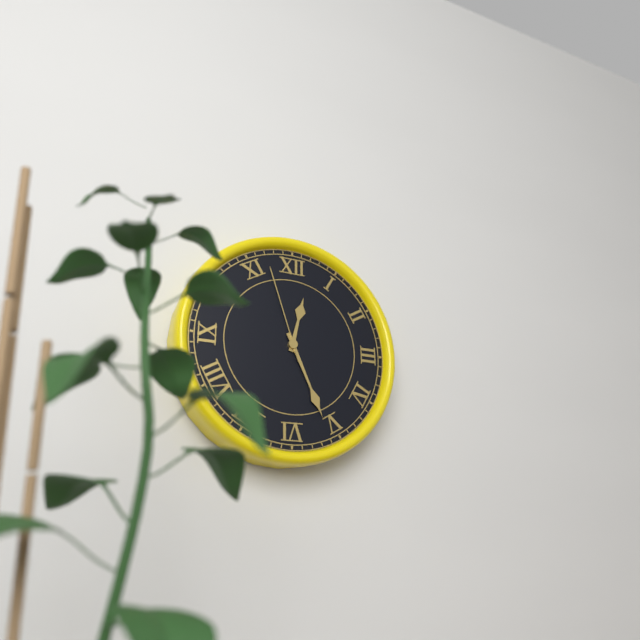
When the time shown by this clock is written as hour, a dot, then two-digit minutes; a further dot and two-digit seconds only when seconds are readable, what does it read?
12.26.57
